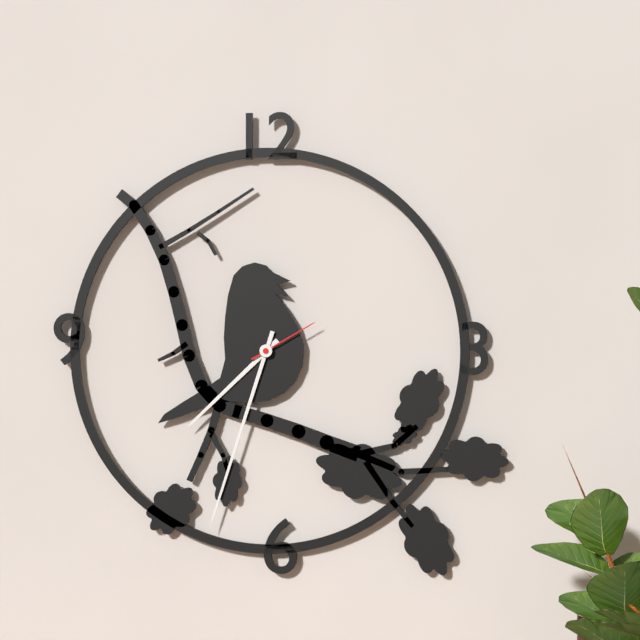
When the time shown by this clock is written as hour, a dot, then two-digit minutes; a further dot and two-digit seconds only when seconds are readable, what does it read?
7.33.10
